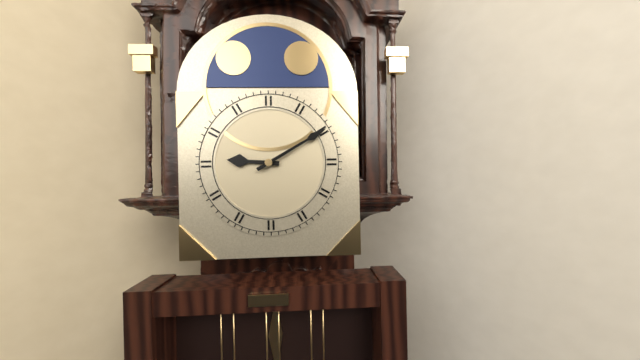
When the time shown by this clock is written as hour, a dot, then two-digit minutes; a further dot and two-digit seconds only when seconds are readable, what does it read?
9.10
